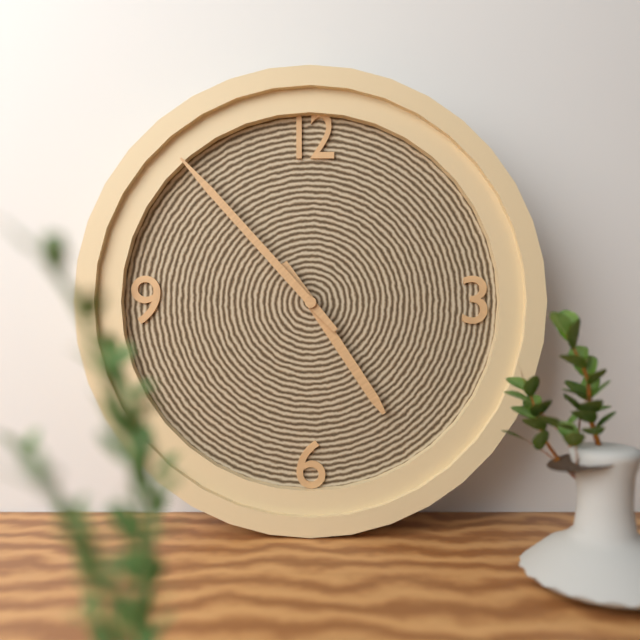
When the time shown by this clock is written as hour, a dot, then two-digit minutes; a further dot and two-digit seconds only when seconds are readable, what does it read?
4.53
